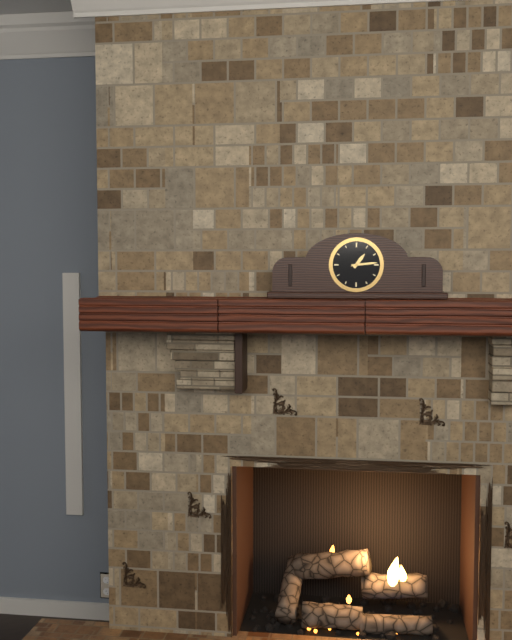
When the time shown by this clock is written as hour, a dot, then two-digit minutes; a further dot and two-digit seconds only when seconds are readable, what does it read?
1.14
